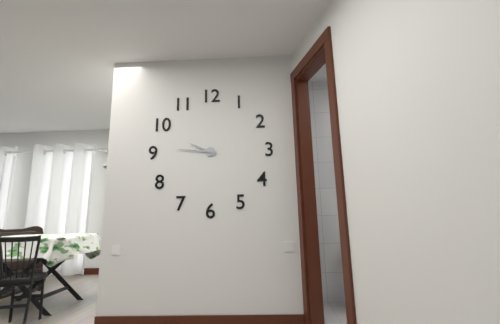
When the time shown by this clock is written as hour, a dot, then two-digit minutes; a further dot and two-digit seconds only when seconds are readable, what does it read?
9.46
